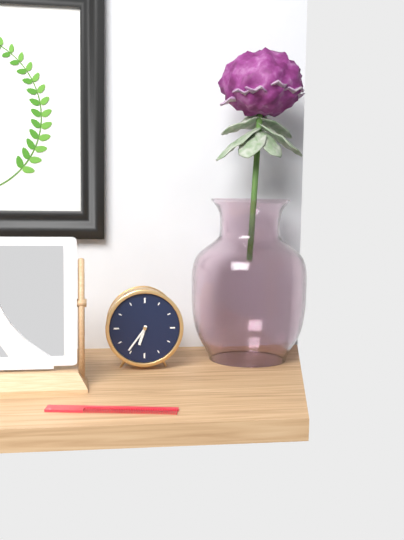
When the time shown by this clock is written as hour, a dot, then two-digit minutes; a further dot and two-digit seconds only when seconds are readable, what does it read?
6.36
